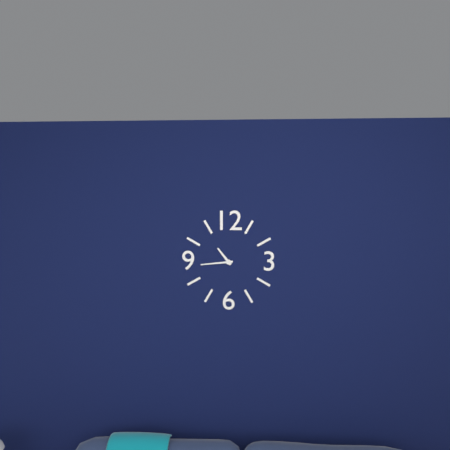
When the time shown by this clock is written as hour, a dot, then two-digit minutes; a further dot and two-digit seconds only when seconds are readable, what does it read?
10.44
